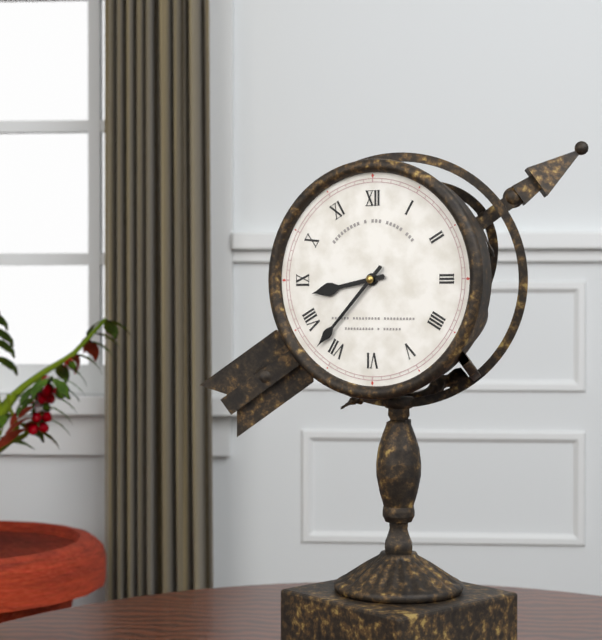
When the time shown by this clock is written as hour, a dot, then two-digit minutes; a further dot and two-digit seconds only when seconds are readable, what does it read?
8.37
